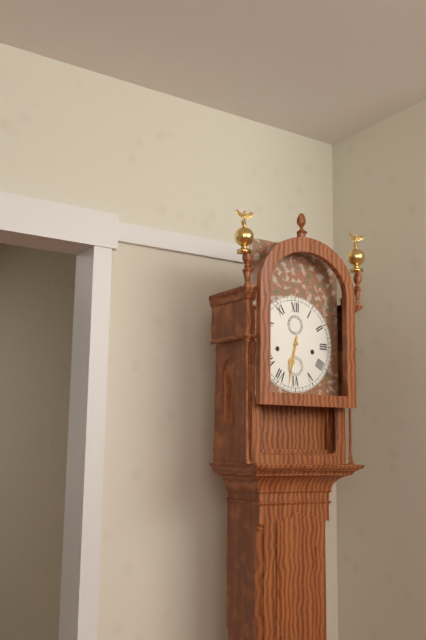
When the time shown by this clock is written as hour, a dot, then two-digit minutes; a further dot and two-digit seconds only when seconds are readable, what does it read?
6.32
